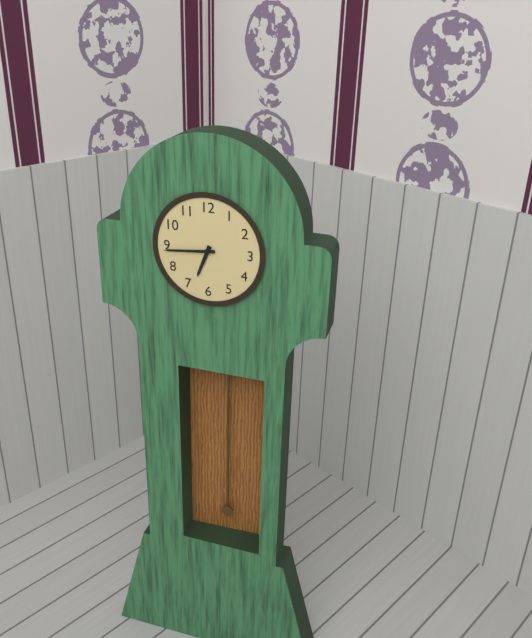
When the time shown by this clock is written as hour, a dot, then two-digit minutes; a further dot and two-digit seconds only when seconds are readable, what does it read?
6.44
